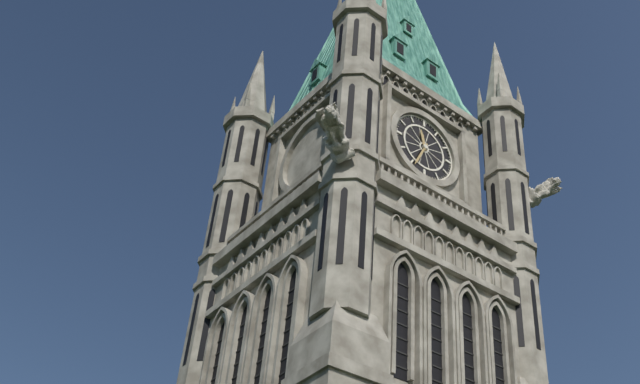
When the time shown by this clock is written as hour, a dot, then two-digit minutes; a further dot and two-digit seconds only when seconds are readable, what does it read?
11.34
